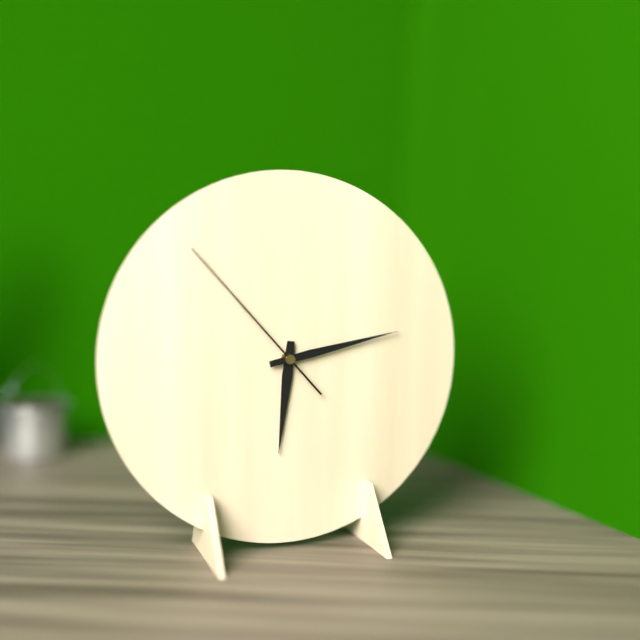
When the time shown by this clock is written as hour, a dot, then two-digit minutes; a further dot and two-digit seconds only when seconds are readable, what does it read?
6.13.53
